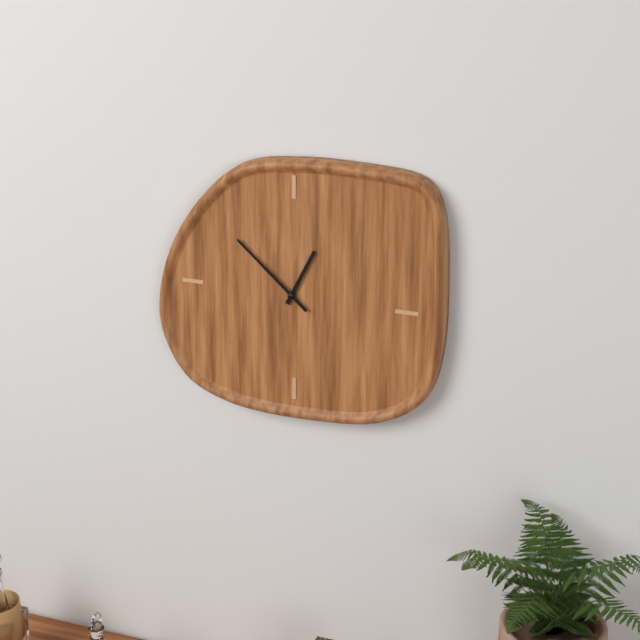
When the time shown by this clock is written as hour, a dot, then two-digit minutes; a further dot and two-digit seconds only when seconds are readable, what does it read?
12.52
